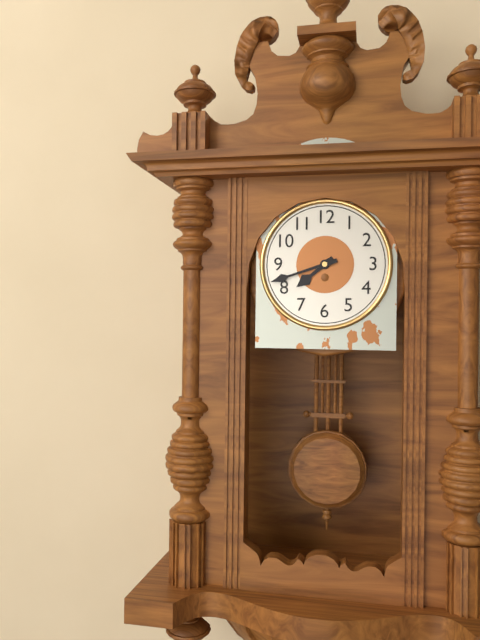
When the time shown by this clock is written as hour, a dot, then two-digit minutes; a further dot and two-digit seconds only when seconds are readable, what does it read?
7.42
